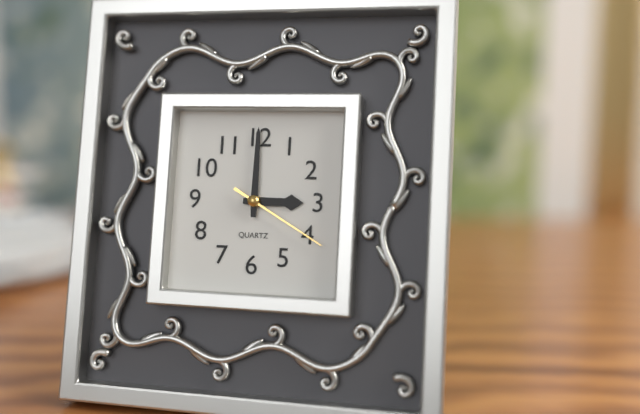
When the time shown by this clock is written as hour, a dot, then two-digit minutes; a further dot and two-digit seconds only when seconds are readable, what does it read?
3.00.20
